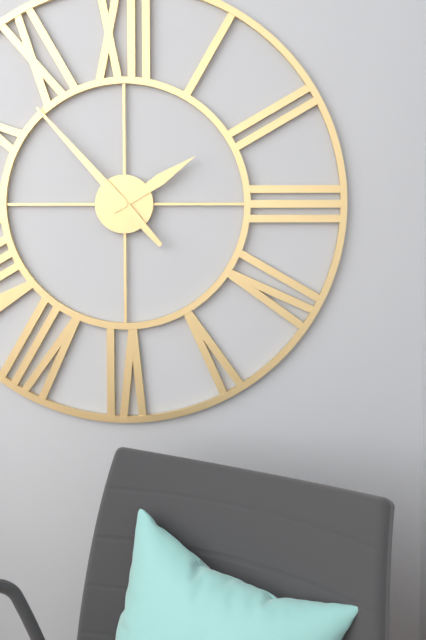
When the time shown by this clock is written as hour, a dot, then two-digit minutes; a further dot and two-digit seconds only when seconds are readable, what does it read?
1.53
